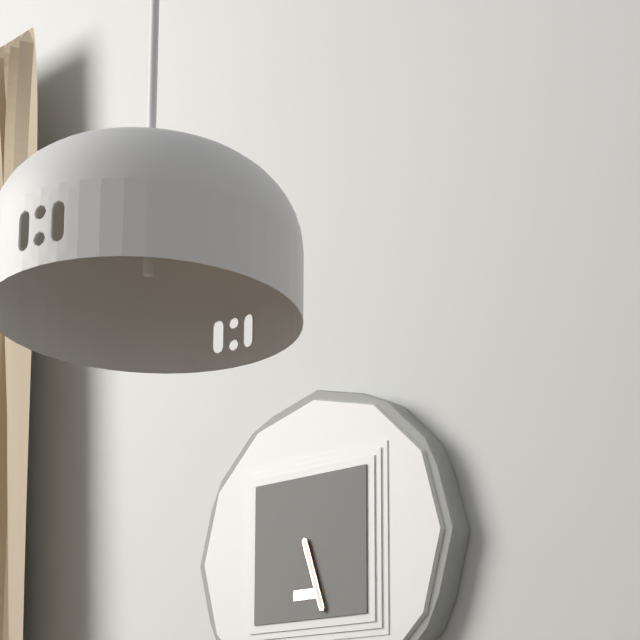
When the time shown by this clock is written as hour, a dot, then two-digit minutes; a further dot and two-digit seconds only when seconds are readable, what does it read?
5.27
